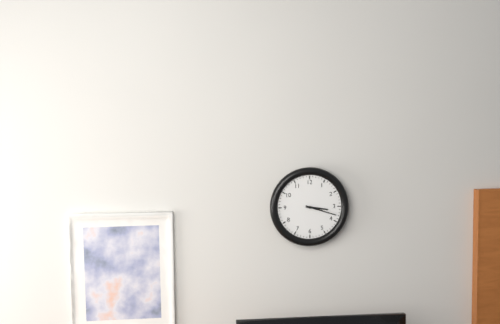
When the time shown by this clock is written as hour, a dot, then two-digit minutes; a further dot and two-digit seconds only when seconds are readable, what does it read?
3.18
